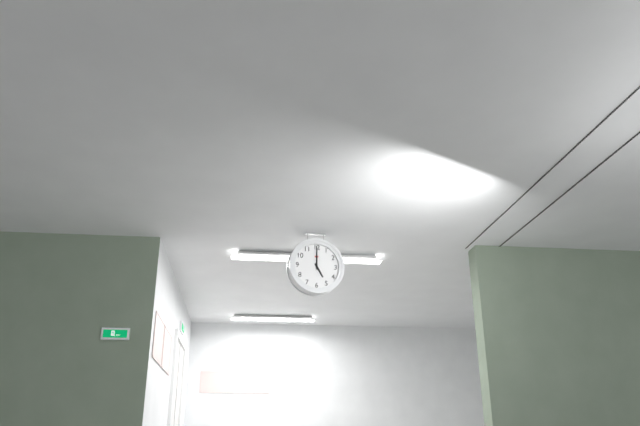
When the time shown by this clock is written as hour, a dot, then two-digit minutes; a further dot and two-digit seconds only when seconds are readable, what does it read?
5.00
